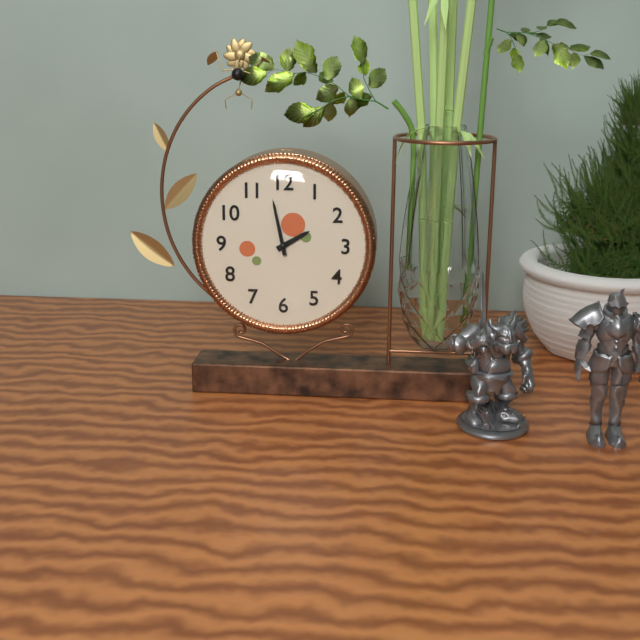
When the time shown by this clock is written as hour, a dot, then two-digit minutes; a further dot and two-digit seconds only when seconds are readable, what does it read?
1.58
